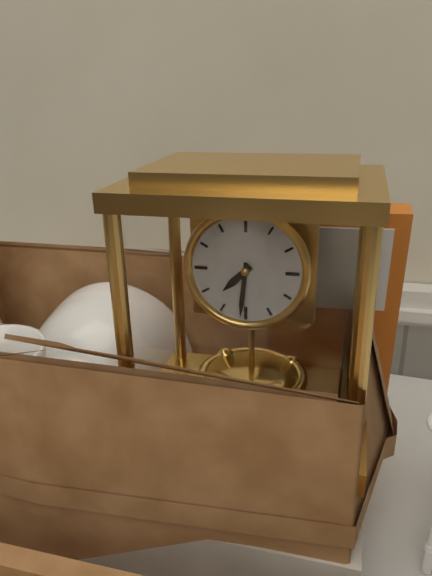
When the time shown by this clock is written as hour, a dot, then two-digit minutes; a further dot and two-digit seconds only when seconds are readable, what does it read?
7.31
